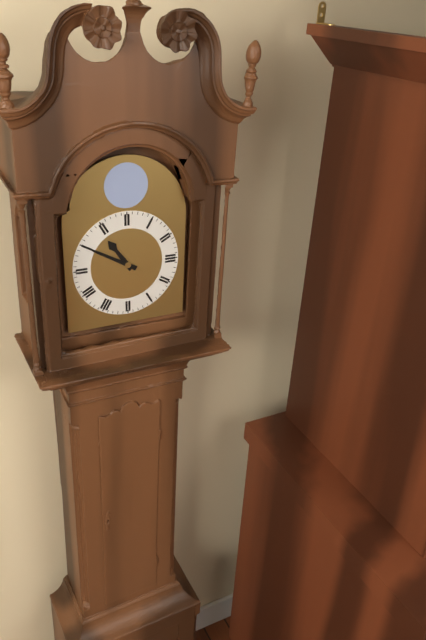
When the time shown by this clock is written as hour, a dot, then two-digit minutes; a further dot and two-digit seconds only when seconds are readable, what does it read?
10.50
